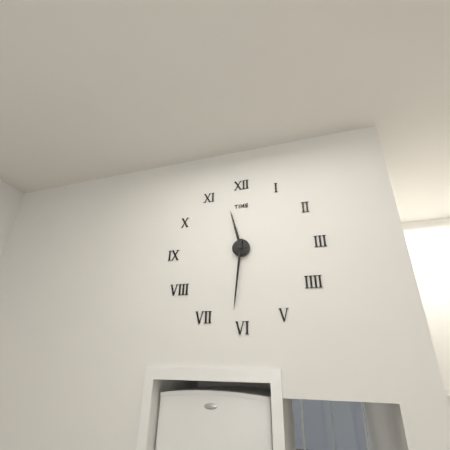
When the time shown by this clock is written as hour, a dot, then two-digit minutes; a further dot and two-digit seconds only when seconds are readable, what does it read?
11.31
